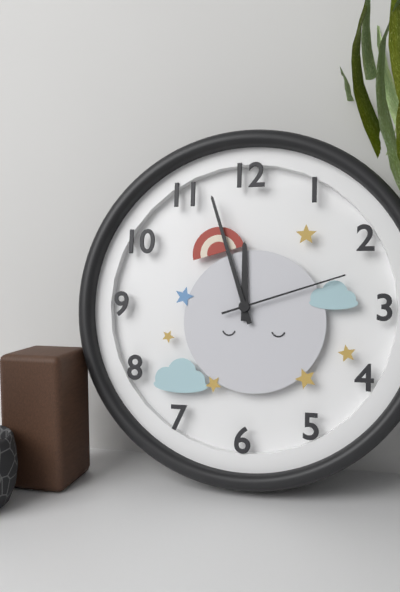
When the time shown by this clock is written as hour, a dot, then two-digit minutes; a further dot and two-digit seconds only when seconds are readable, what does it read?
11.57.12
